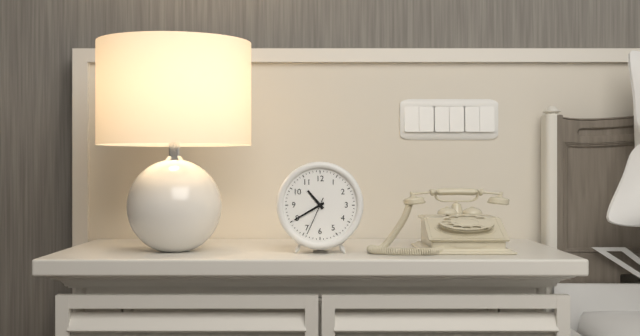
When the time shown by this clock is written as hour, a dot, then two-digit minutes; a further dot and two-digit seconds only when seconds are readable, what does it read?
10.40
